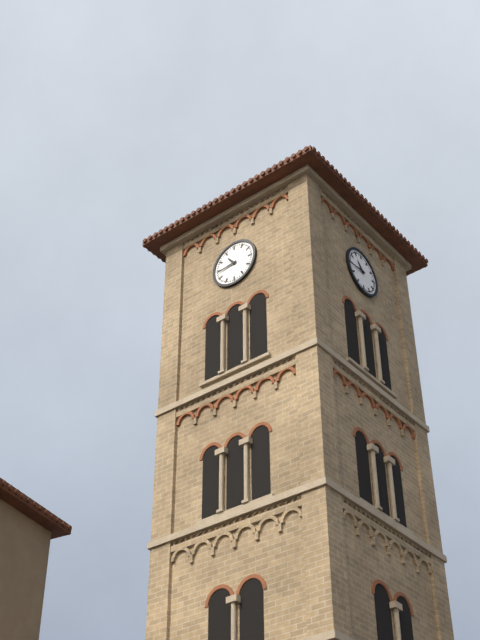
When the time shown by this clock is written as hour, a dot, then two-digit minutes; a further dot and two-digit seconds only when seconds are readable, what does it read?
10.44
